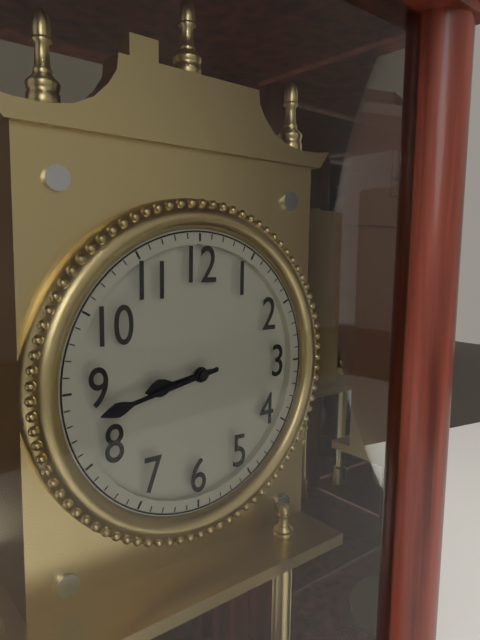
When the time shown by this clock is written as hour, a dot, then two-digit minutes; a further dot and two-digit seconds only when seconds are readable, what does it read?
8.43
